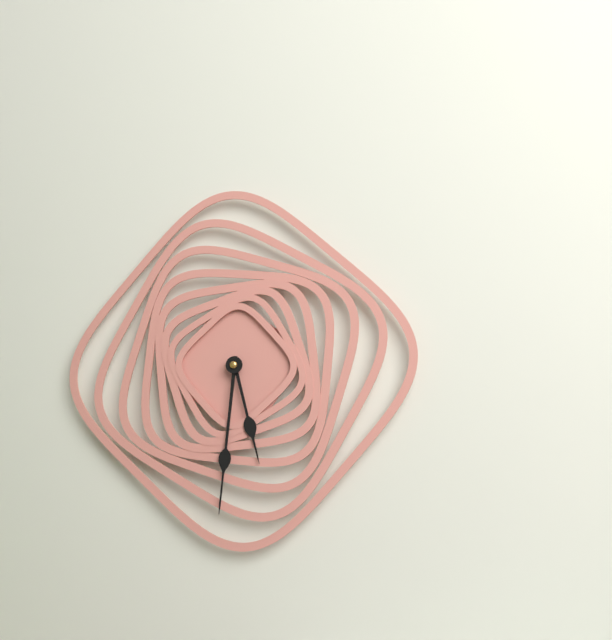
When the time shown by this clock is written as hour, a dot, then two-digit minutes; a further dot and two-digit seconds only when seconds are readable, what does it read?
5.31
